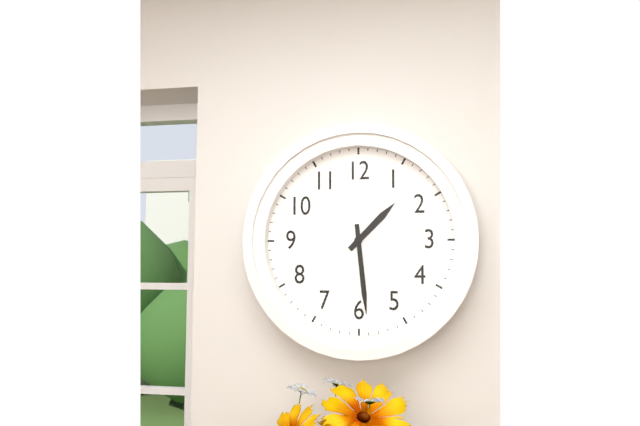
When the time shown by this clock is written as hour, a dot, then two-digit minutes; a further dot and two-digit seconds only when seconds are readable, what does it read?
1.29
